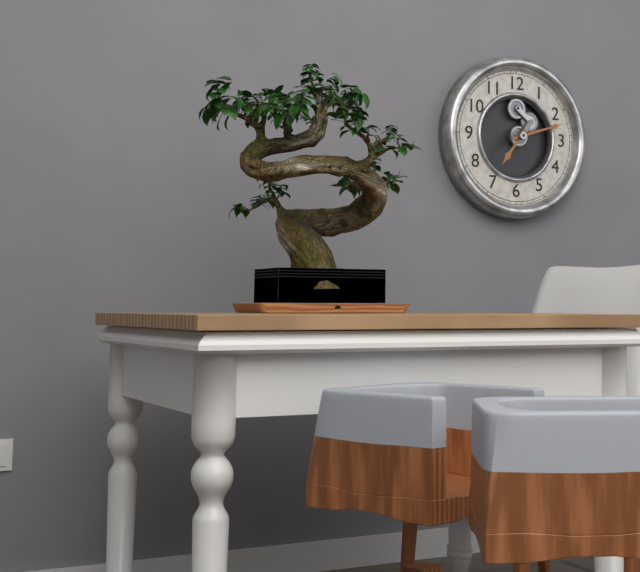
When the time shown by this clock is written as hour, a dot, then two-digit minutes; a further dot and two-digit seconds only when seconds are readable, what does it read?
7.12
